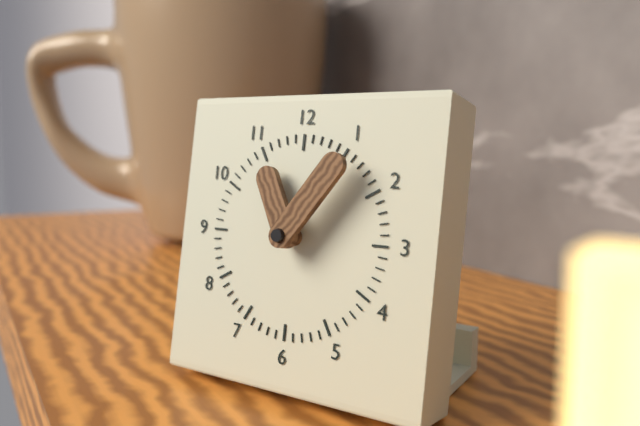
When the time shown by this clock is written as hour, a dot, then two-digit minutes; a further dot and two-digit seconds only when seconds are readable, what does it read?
11.06
